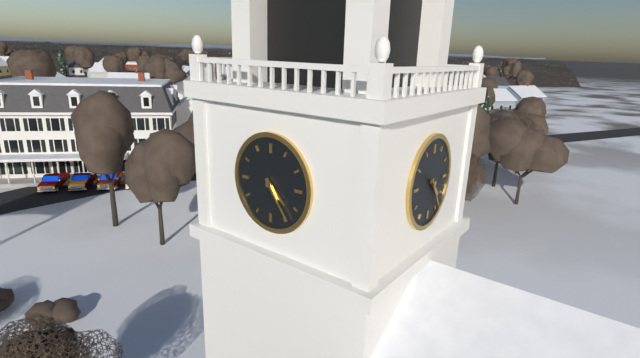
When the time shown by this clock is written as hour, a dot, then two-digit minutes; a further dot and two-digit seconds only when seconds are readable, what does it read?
4.24
